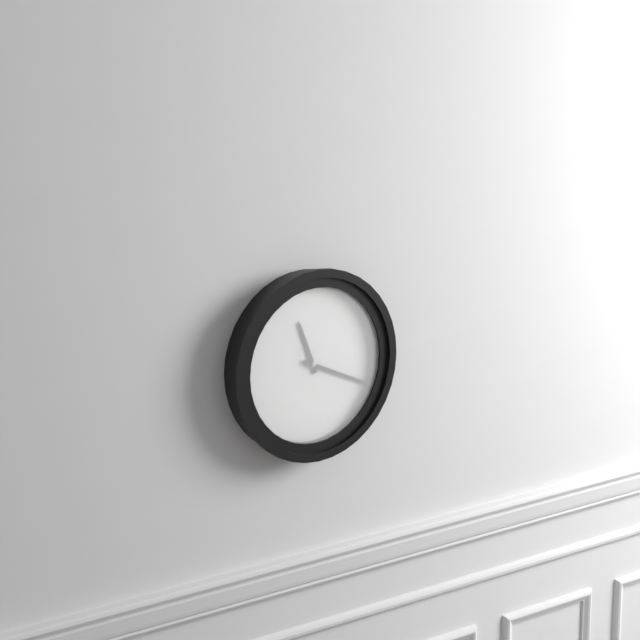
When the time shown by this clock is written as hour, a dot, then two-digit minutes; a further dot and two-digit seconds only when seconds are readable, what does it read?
11.19
